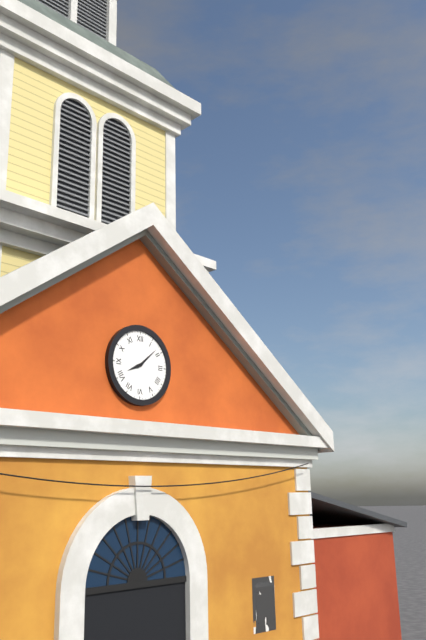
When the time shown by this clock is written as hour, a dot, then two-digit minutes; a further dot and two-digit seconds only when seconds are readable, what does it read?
8.08
